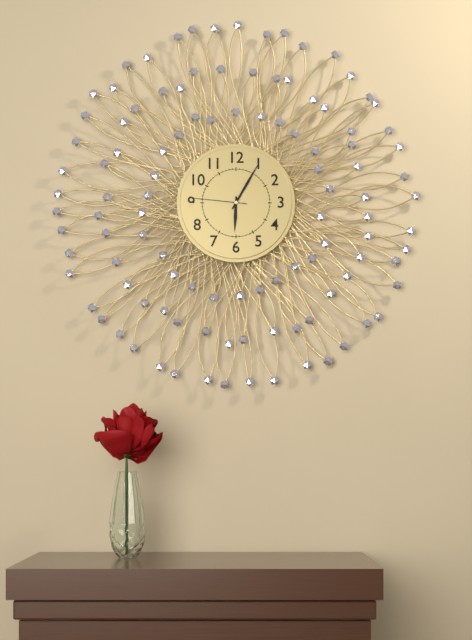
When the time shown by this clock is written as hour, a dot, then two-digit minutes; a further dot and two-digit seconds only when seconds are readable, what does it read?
6.05.46
